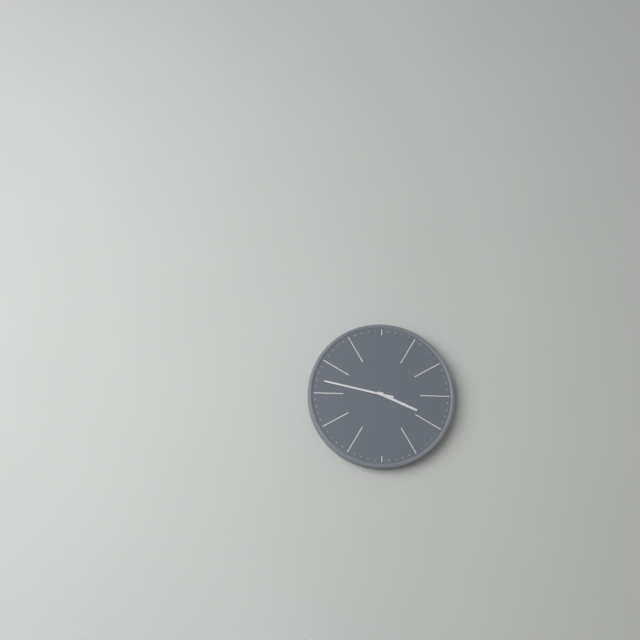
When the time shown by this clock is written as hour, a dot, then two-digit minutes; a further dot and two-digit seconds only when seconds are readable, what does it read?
3.47
